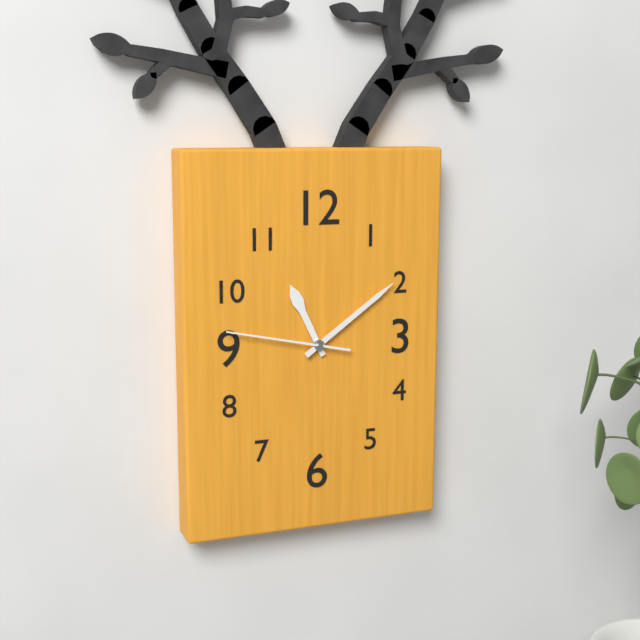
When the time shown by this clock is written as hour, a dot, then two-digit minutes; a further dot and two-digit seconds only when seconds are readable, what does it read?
11.09.47
